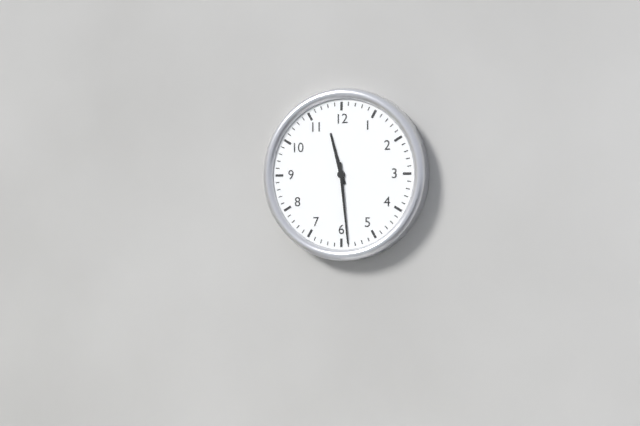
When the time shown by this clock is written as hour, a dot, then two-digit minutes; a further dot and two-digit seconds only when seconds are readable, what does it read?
11.29
